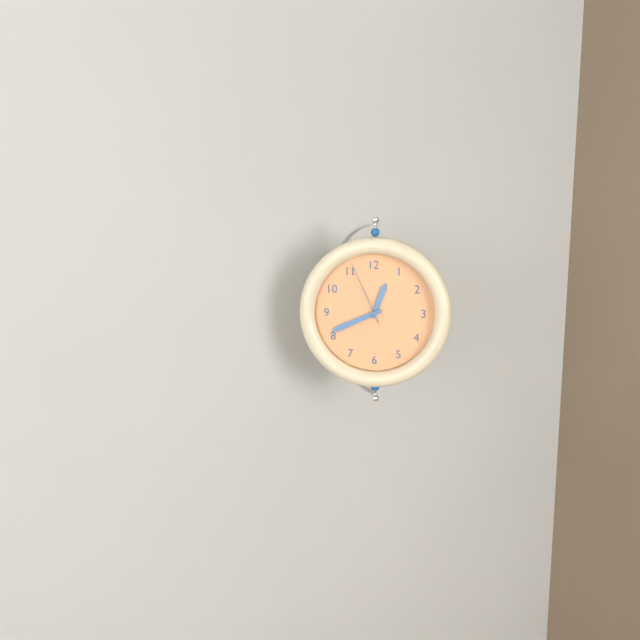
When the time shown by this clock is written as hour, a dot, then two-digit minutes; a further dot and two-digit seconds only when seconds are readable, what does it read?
12.41.56
